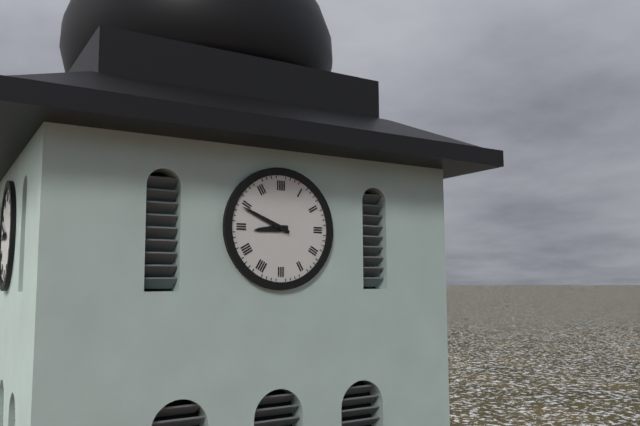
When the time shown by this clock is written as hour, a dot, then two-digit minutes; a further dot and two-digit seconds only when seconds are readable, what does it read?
8.49
